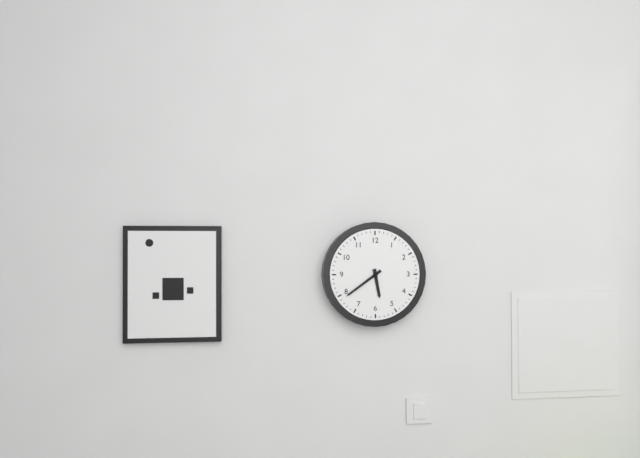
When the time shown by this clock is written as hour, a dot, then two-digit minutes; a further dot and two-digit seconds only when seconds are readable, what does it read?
5.39
